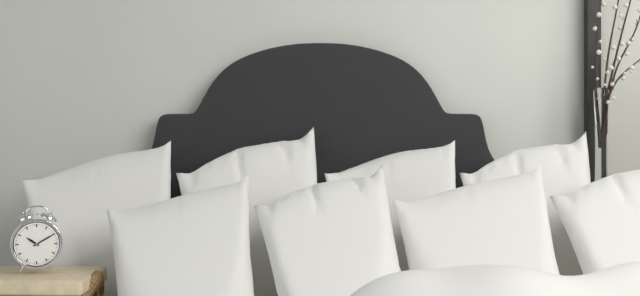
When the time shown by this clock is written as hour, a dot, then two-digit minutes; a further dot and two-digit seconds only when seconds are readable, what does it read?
10.10
